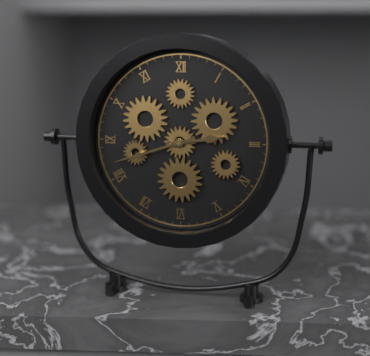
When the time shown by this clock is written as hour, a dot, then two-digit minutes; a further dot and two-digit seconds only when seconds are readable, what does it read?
2.42
